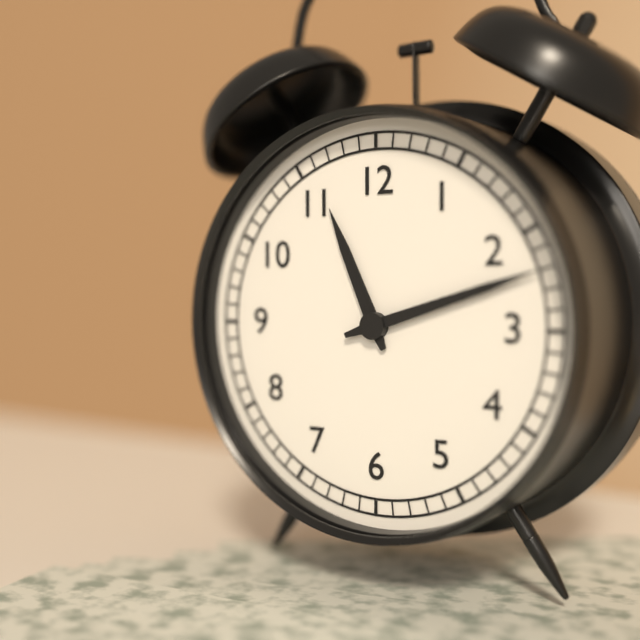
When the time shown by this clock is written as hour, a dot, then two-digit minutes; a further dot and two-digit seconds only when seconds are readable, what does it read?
11.12
